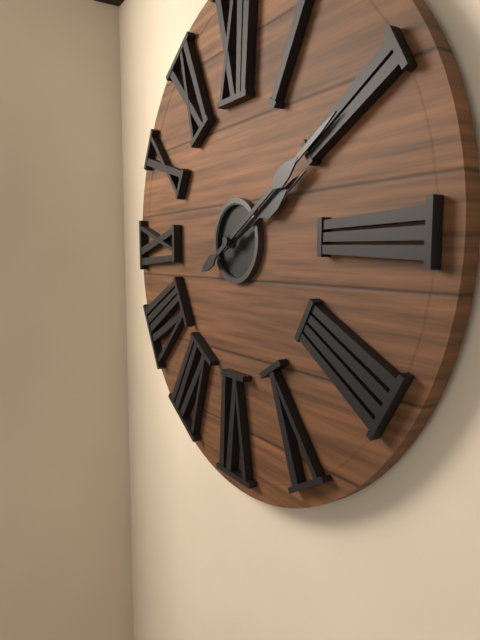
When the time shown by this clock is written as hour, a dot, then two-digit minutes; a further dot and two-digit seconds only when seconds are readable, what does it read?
2.10
